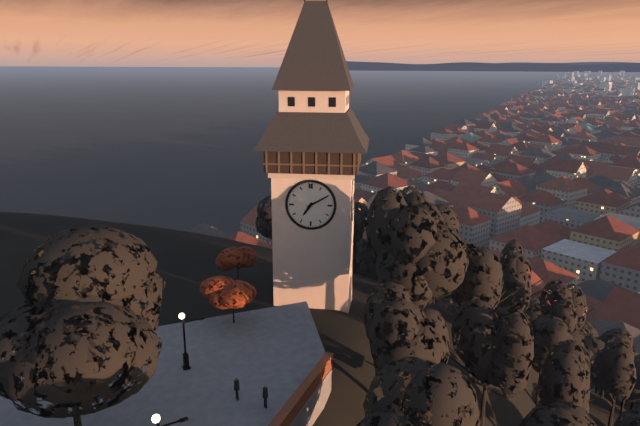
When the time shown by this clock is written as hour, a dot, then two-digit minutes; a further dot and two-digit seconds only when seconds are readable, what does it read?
7.10
